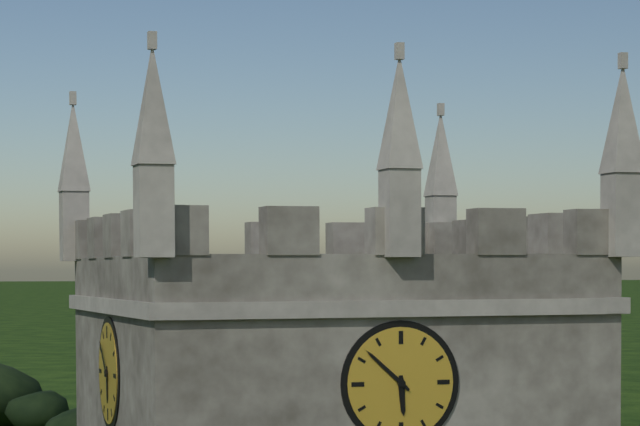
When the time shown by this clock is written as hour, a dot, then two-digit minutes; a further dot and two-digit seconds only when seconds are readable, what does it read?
5.52
